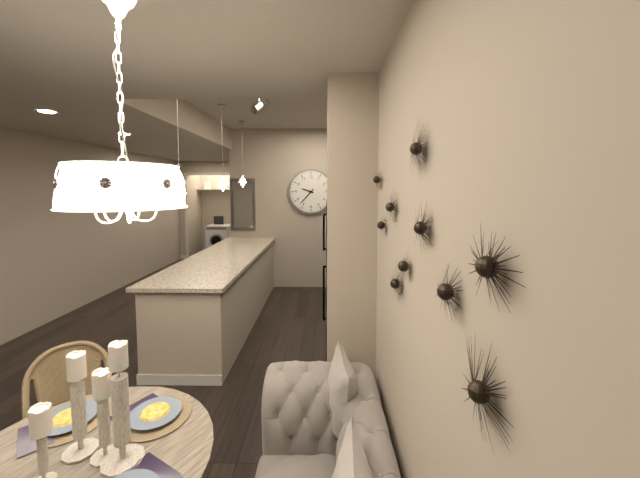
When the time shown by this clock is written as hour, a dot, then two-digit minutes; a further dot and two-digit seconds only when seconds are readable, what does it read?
9.37
